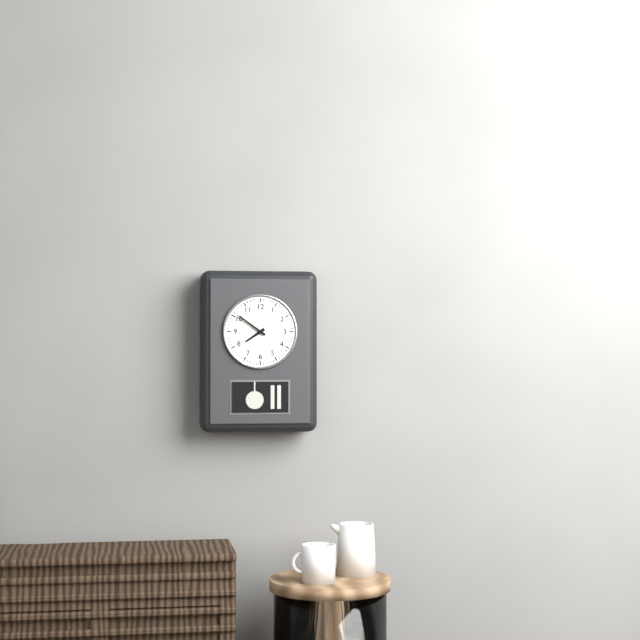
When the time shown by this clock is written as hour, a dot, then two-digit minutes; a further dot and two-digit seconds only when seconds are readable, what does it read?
7.51
